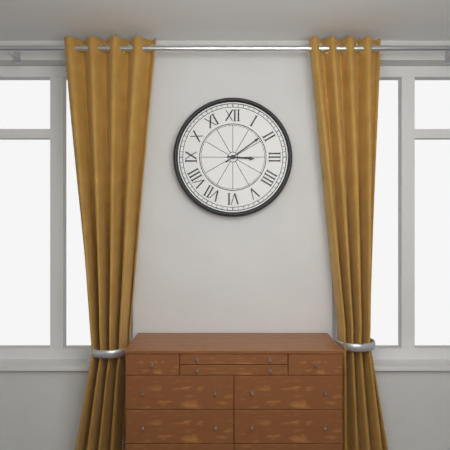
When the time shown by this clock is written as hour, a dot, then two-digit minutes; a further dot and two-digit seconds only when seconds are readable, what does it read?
3.09
